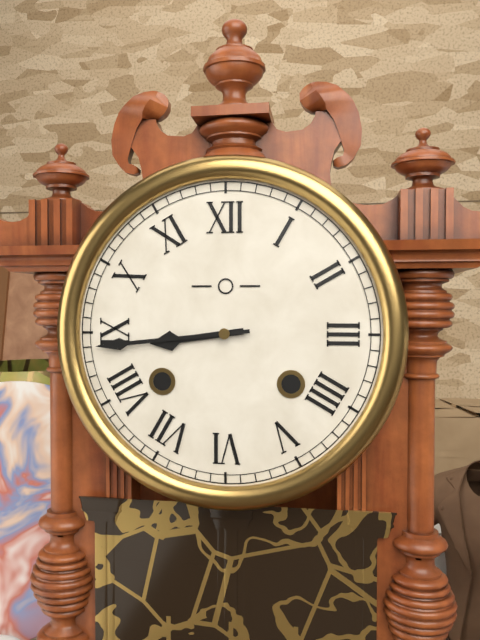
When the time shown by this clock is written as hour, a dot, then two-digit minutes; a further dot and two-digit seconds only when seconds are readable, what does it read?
8.44
